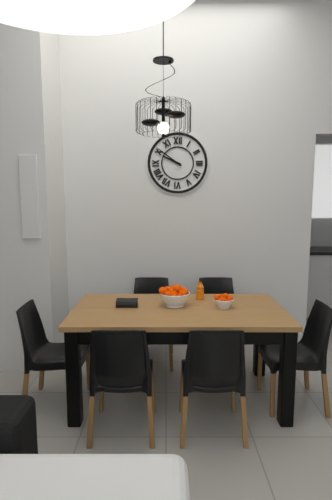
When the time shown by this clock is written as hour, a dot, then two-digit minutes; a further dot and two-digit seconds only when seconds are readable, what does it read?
9.51
